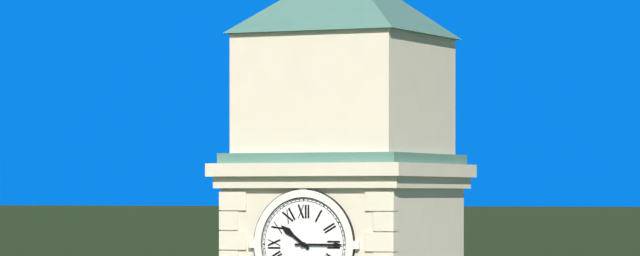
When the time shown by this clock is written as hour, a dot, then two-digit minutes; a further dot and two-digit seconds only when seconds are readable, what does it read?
10.15
